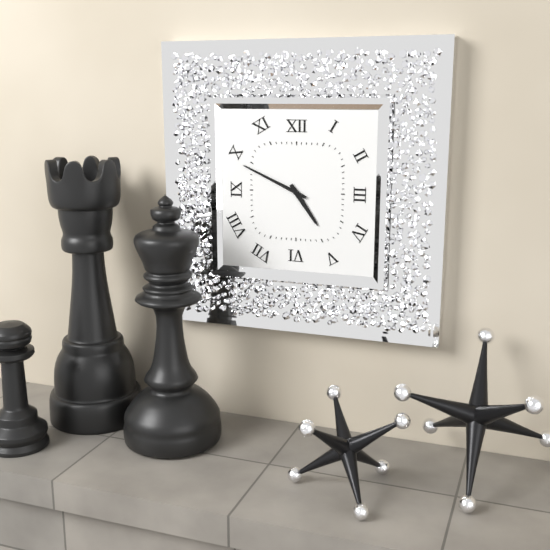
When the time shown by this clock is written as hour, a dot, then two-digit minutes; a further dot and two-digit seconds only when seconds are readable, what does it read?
4.49
